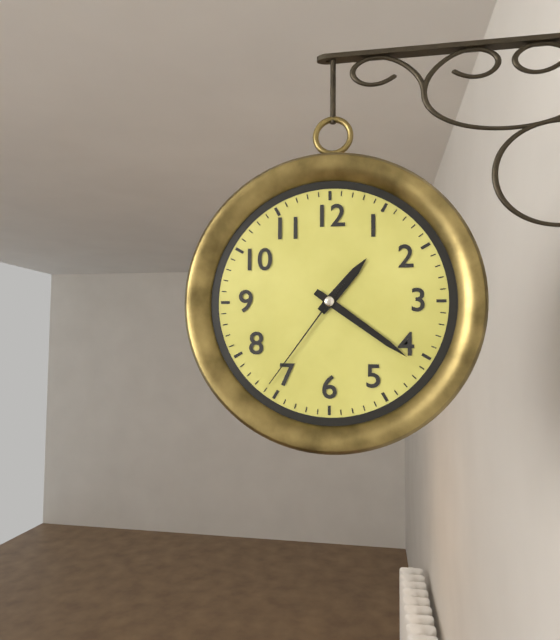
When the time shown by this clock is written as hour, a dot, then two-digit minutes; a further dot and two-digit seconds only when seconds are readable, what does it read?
1.21.36
